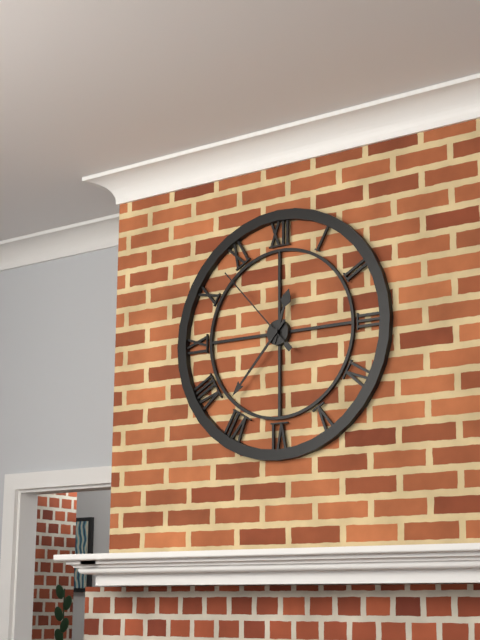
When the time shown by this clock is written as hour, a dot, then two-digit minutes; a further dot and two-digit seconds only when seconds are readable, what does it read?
12.37.53
